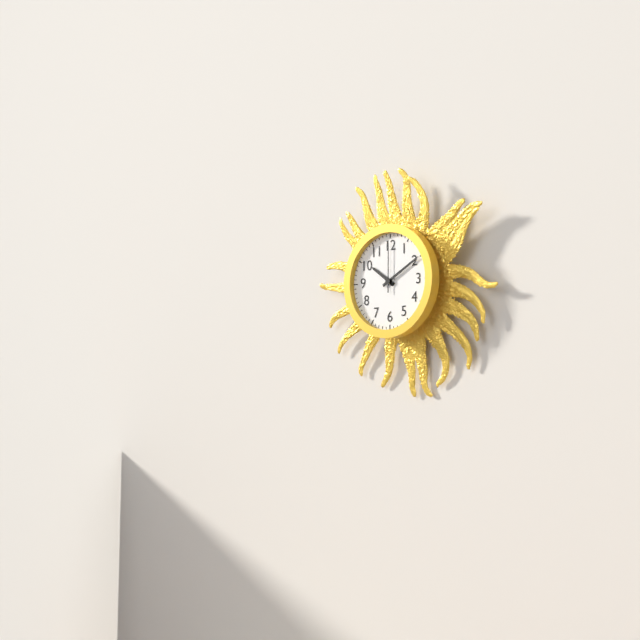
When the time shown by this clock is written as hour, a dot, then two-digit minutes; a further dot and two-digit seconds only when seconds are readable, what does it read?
10.10.00
